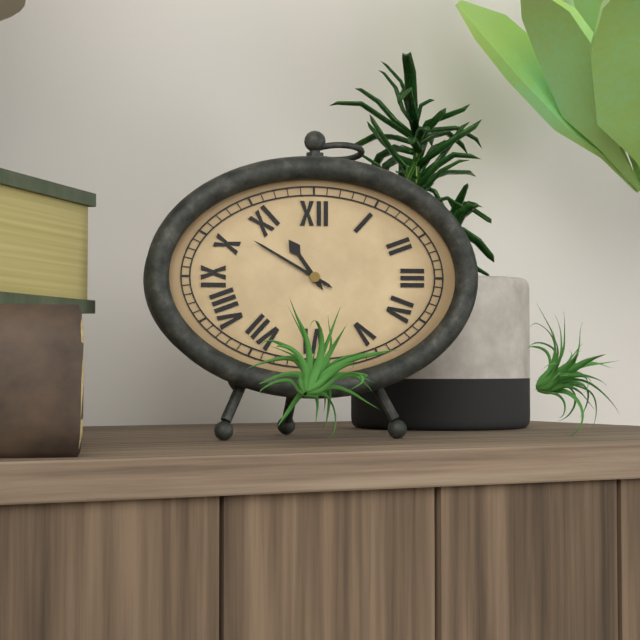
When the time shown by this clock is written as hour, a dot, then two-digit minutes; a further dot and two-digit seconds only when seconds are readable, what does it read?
10.50
